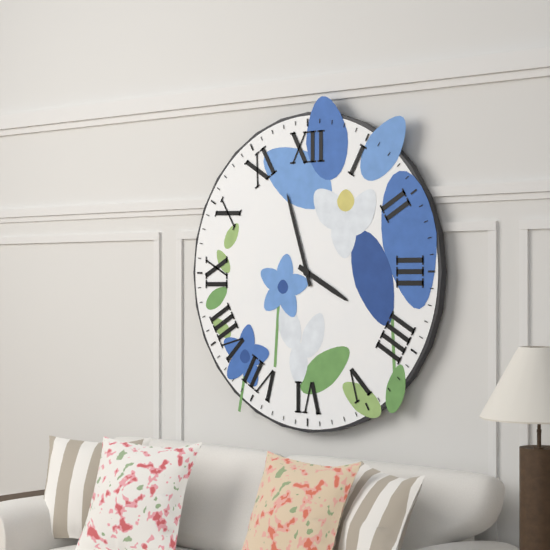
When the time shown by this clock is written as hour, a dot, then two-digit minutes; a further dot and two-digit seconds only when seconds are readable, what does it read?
3.57
